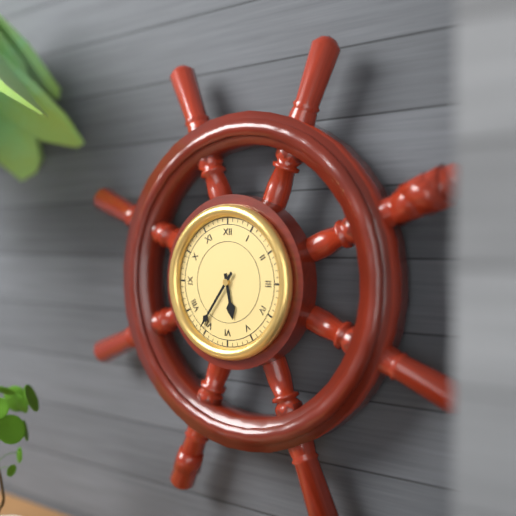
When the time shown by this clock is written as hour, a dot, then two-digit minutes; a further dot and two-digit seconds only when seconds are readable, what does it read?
5.36
